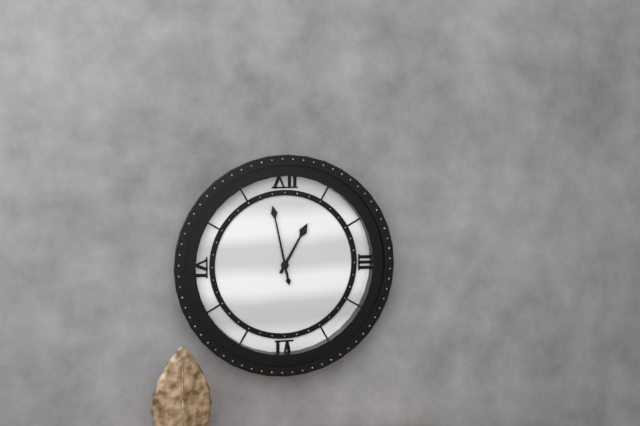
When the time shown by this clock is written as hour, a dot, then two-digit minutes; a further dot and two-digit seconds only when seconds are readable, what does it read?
12.58
